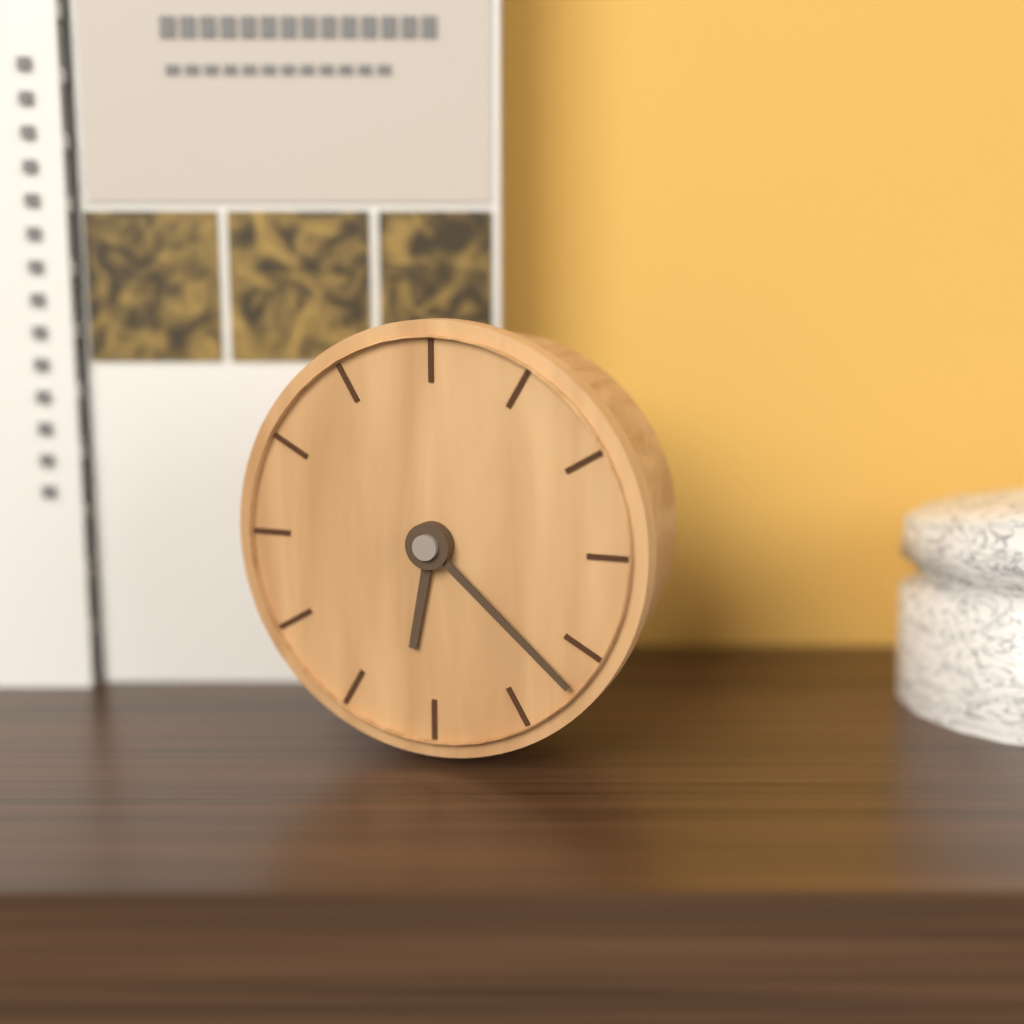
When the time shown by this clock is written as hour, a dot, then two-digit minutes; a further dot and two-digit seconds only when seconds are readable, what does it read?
6.22
